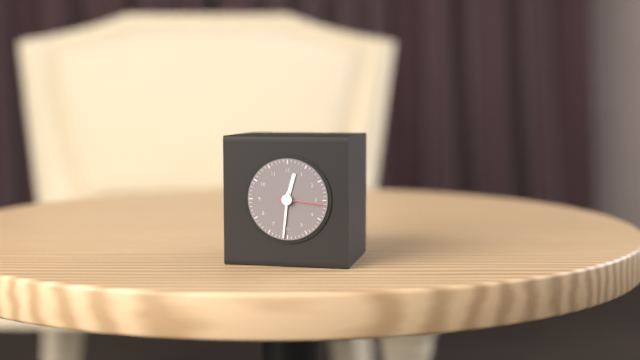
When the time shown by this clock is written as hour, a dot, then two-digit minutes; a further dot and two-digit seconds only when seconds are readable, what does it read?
12.31
